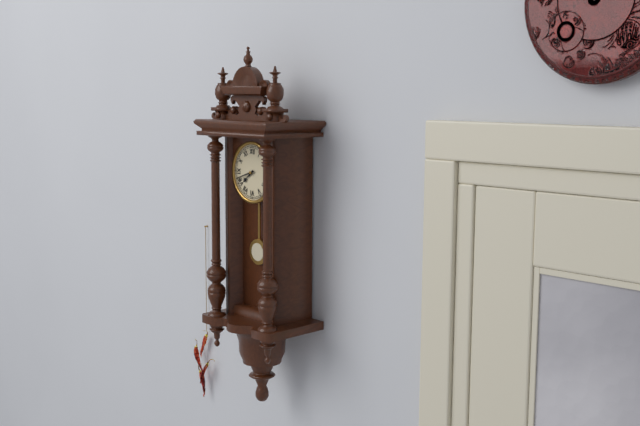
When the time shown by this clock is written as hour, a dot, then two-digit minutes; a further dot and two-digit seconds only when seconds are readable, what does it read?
7.42
